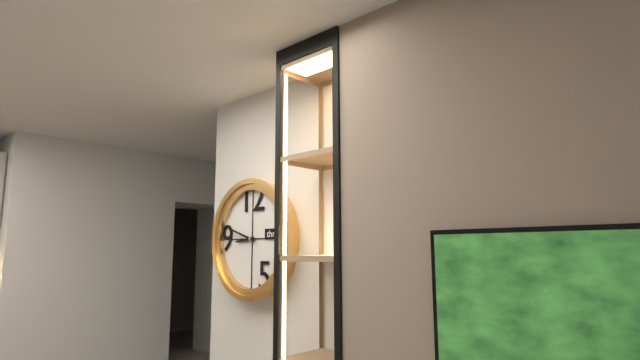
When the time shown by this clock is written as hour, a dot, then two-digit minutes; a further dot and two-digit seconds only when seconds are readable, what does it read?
8.48
